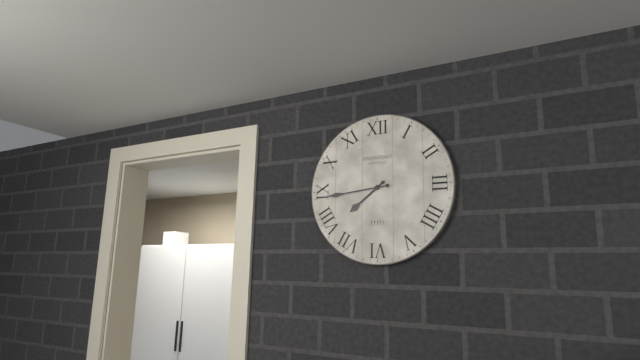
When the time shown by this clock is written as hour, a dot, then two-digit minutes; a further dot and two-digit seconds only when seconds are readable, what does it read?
7.44
